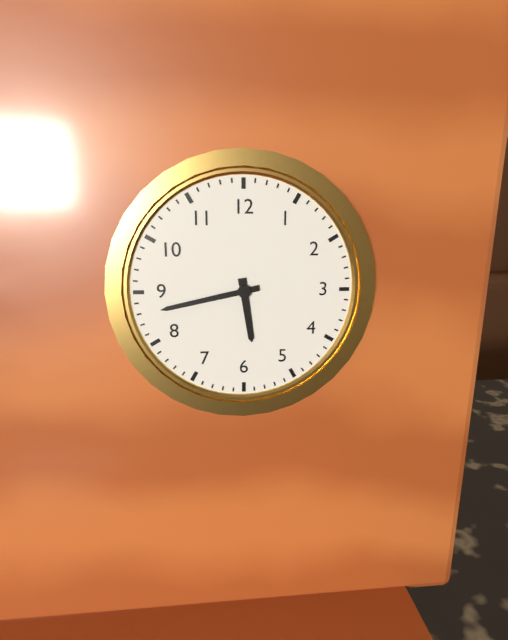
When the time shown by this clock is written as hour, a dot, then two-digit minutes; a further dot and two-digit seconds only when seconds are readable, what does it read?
5.43
